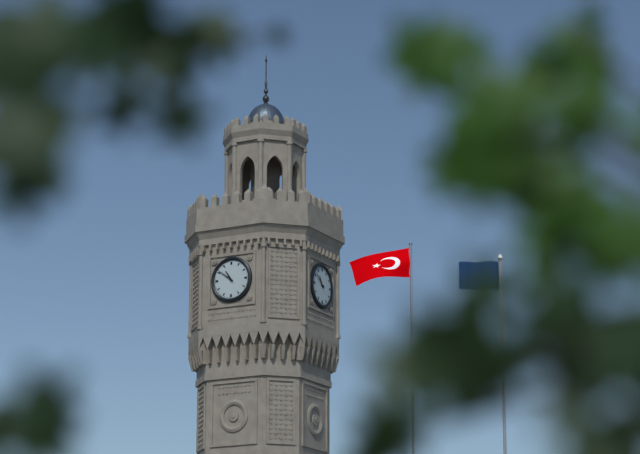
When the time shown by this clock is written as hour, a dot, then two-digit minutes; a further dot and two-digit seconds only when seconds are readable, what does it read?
10.51
